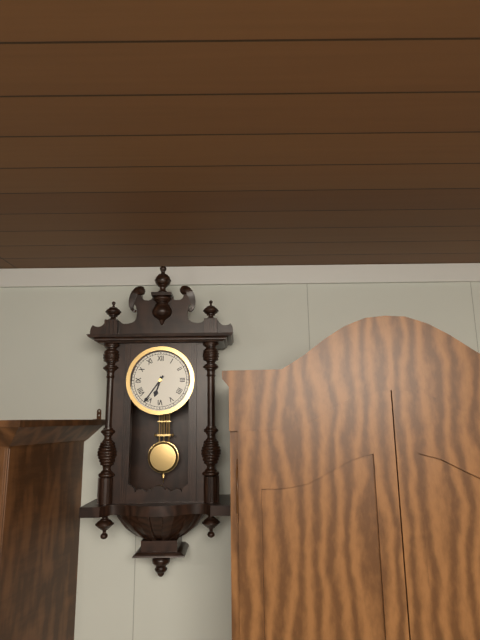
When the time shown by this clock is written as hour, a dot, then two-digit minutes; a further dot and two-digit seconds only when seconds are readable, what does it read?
6.36
